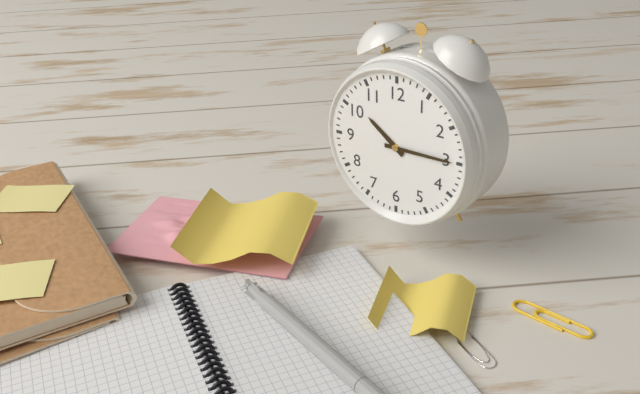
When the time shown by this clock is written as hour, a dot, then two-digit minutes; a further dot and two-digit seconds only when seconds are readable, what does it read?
10.15
